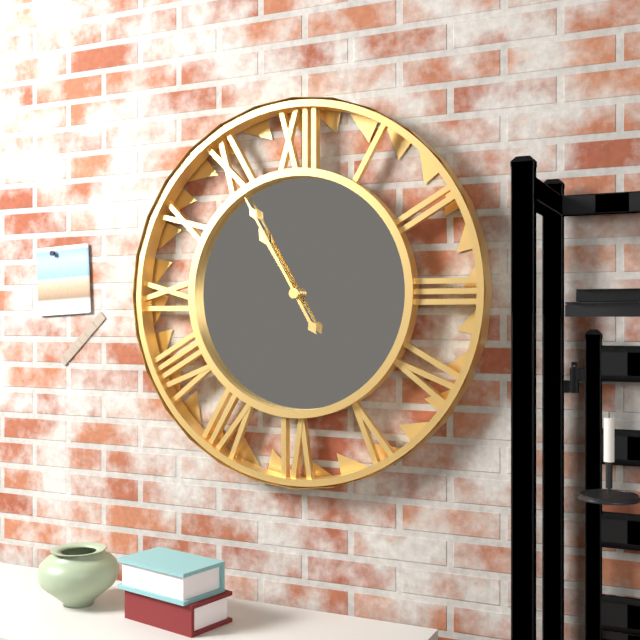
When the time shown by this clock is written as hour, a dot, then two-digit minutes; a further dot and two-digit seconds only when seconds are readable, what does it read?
10.55
